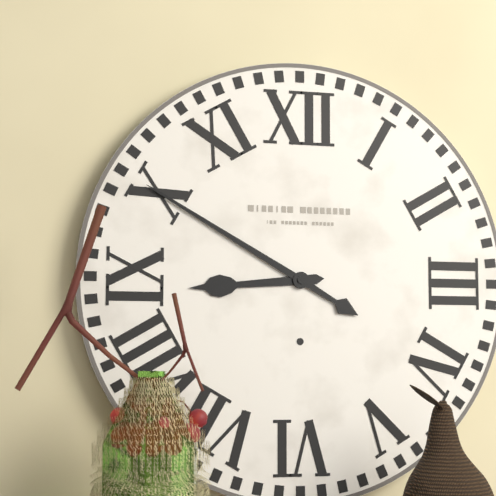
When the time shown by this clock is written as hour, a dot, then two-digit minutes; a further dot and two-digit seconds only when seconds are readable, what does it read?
8.50
